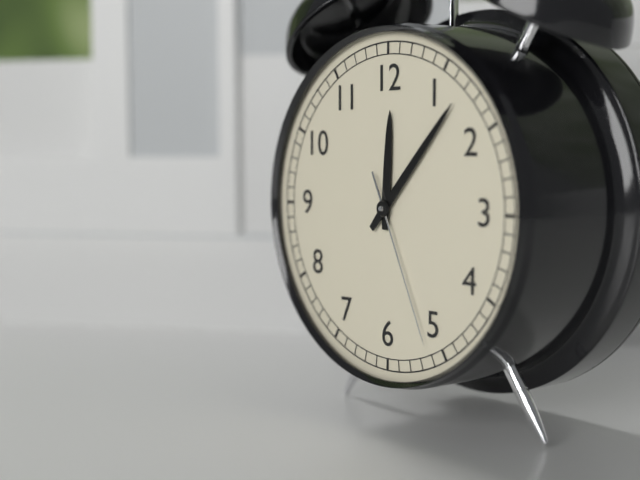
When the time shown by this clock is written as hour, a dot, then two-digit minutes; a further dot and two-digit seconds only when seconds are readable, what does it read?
12.07.26
